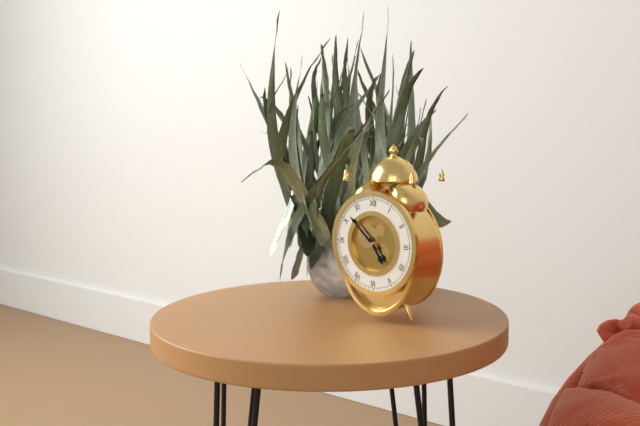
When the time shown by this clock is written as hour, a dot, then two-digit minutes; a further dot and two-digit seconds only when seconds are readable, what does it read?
4.52
